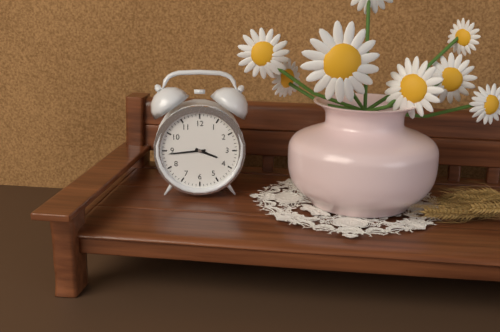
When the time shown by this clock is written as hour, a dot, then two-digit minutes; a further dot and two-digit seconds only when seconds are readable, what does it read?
3.44
